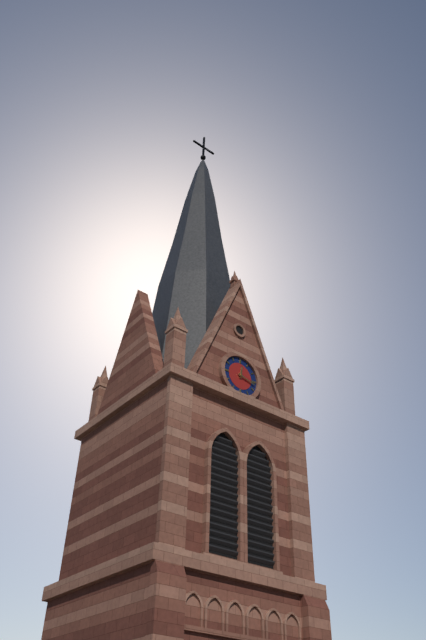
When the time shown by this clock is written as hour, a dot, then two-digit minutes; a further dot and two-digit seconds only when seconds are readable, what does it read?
12.17
